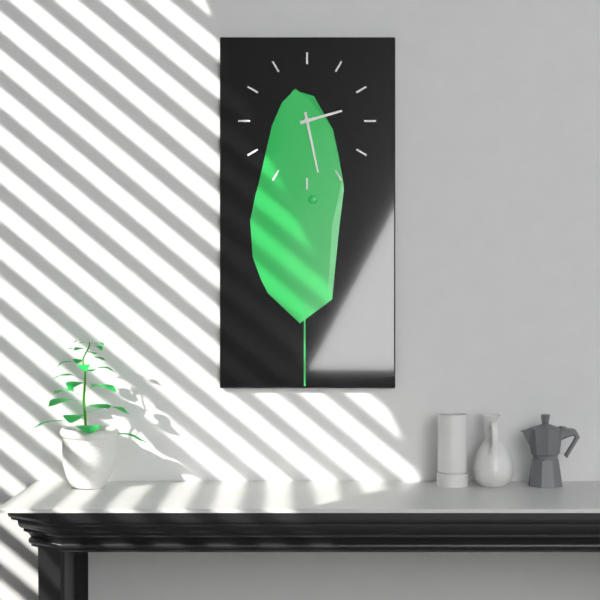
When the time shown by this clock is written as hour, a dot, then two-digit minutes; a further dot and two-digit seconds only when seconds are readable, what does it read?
2.28
